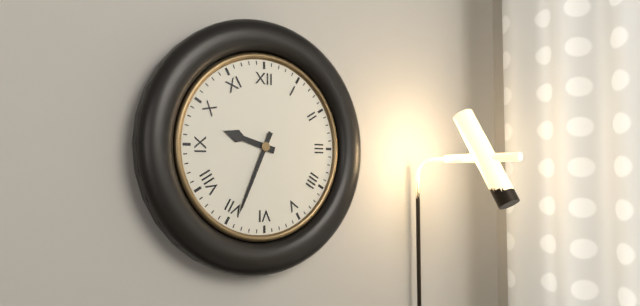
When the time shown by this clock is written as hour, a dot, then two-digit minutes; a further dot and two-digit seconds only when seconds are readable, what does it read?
9.34
